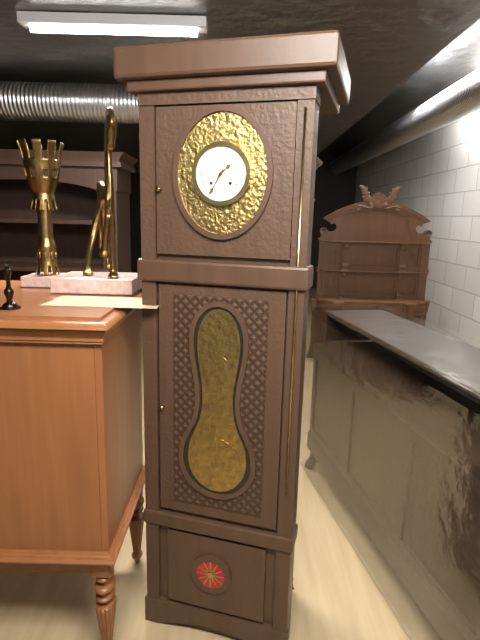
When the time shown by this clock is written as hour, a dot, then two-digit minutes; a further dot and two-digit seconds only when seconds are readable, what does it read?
1.35
